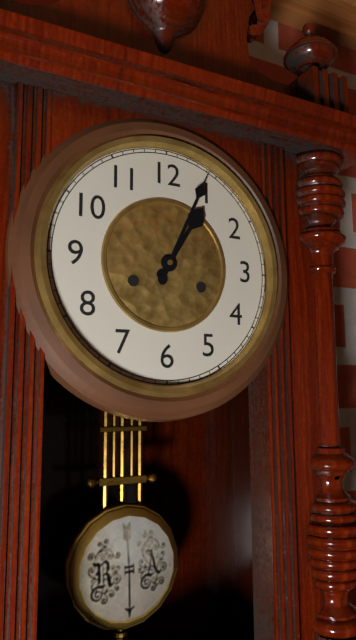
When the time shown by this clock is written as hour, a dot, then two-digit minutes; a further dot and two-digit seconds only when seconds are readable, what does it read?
1.04
